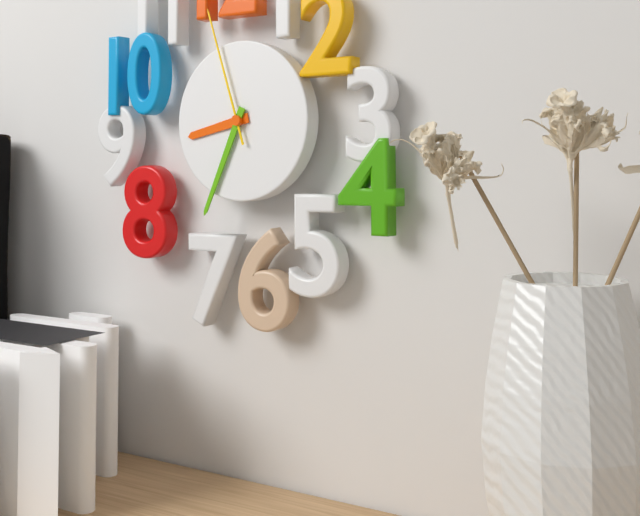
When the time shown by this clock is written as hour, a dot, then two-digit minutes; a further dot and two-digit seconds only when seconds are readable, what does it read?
8.34.57
